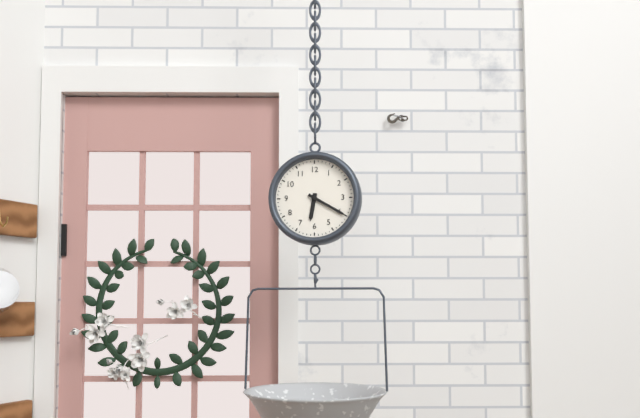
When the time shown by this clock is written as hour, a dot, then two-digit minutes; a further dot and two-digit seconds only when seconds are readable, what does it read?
6.20
